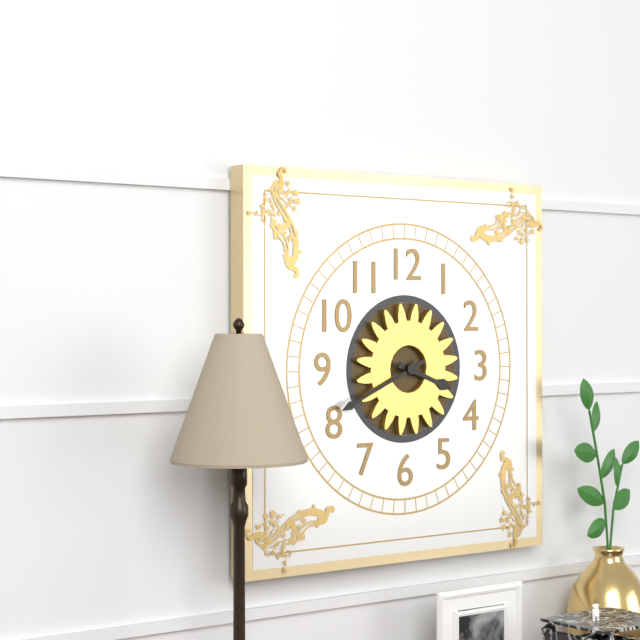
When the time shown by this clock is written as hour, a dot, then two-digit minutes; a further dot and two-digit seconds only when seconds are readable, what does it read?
3.41
